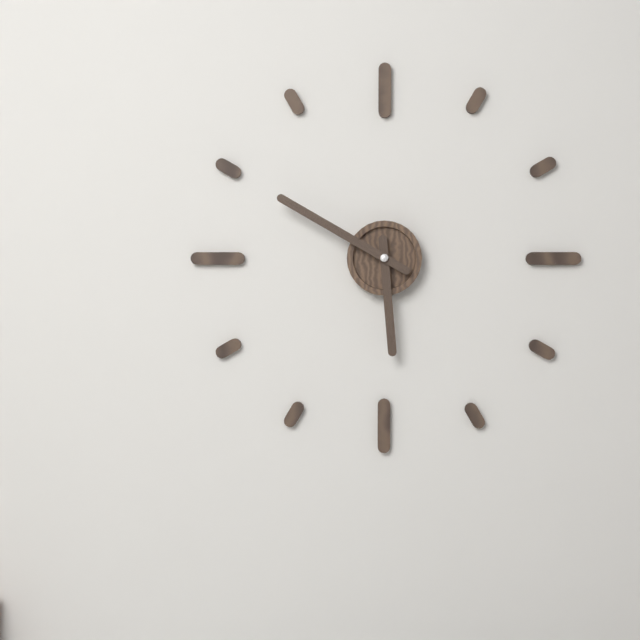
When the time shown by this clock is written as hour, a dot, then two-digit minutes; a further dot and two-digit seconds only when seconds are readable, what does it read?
5.50
